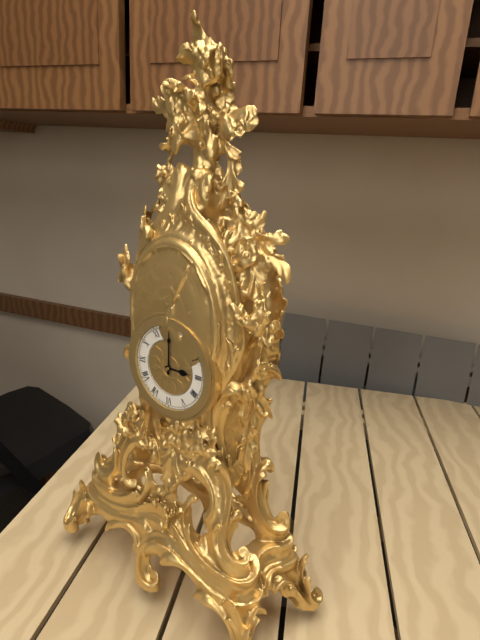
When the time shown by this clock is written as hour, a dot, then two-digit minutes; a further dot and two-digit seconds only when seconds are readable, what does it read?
3.00
